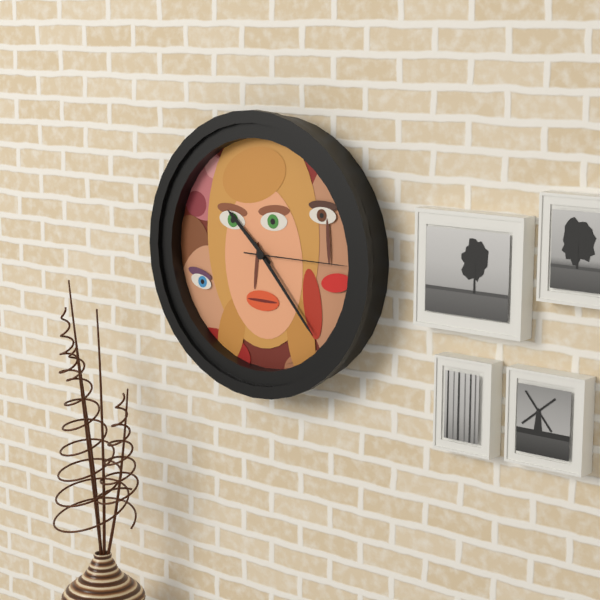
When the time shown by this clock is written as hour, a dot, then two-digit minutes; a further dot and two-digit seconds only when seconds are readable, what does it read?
10.23.15
